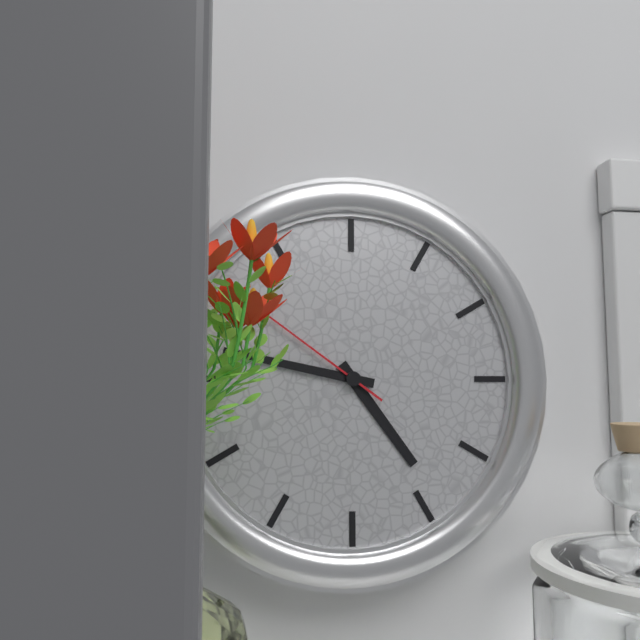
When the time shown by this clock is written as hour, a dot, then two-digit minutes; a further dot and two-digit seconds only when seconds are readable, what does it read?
4.47.51
